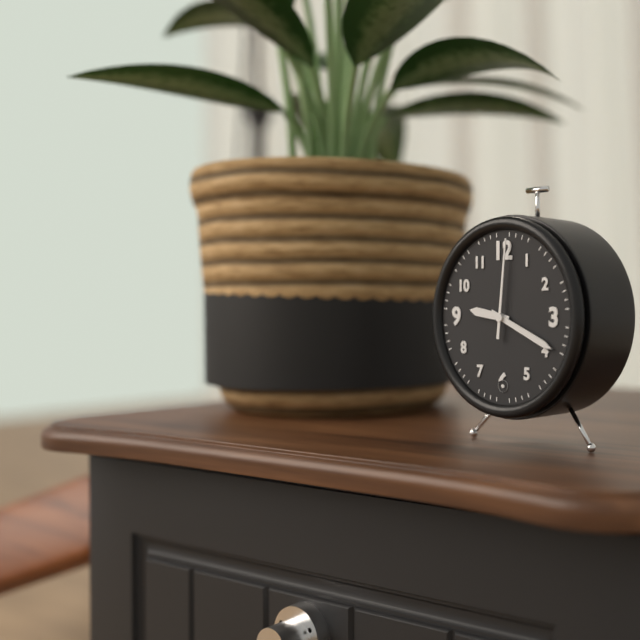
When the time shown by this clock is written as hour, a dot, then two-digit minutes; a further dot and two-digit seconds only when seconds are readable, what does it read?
9.19.01
